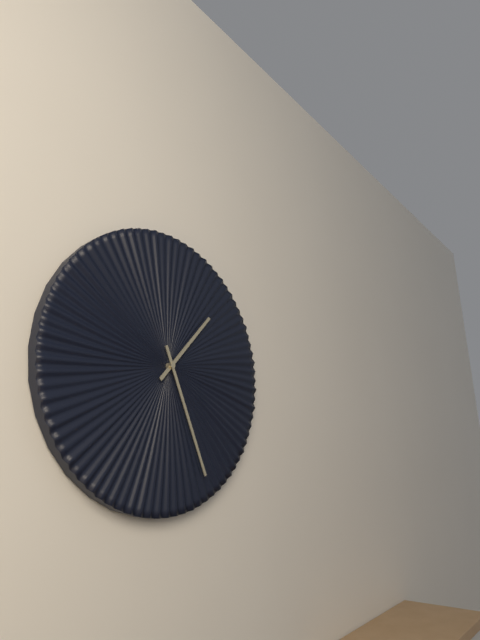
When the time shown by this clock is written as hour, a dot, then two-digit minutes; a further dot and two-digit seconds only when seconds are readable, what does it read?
1.26
